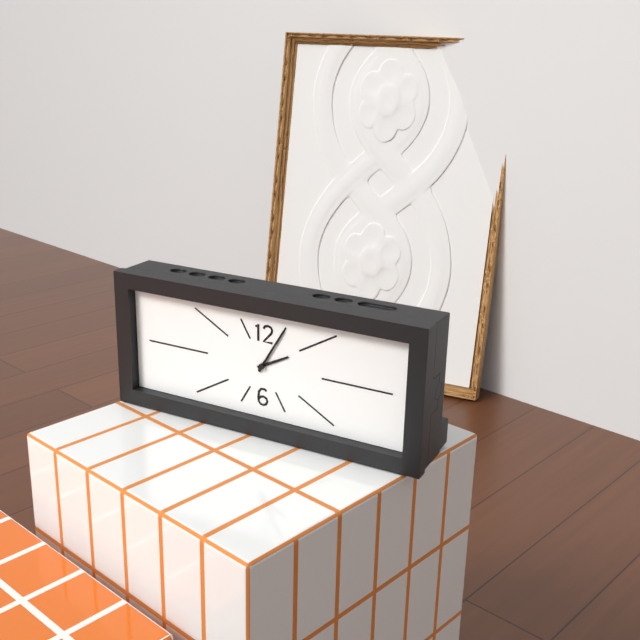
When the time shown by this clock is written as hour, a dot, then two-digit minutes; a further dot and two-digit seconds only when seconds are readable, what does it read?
2.05
